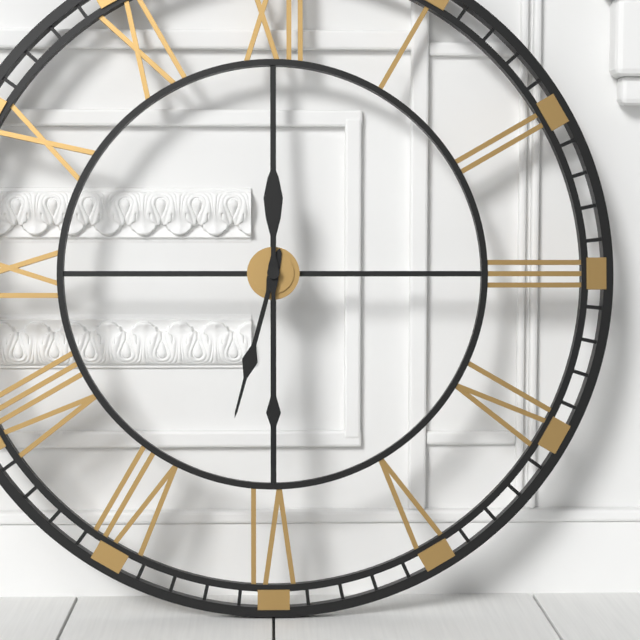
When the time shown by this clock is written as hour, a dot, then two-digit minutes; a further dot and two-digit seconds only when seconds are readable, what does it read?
6.30
